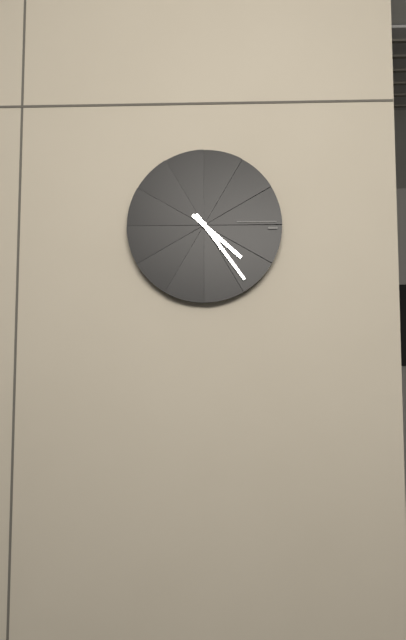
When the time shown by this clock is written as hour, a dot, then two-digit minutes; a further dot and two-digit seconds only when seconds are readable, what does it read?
4.24
